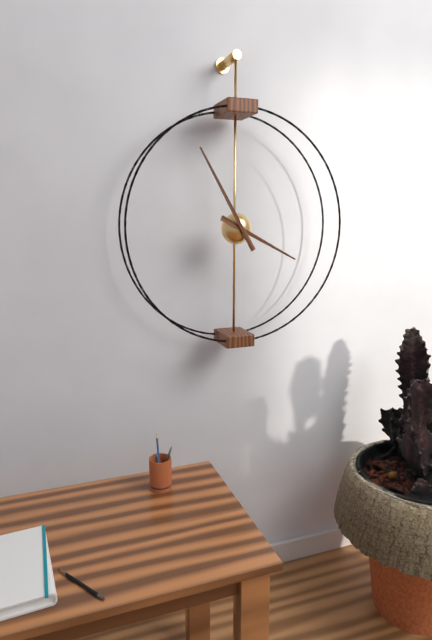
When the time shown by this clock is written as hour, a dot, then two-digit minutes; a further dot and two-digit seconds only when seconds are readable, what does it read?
3.55
